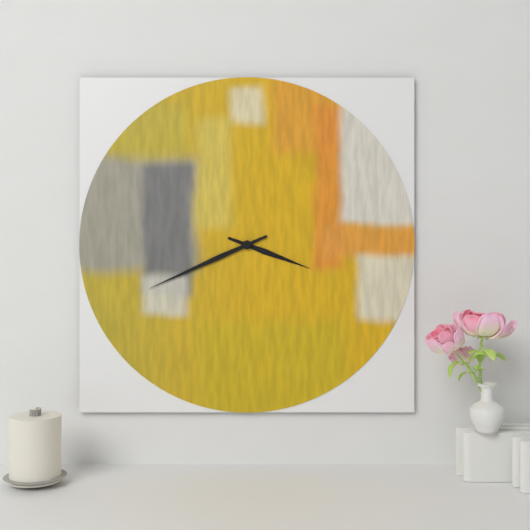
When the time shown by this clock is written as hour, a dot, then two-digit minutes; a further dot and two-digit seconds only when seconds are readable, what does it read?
3.41
